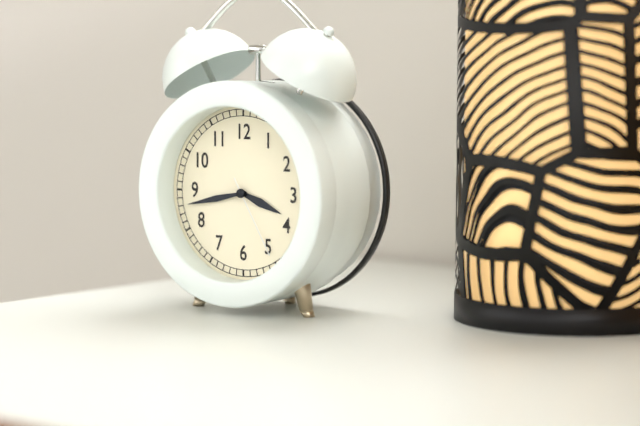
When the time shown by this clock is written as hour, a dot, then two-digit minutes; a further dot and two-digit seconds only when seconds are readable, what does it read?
3.43.25
